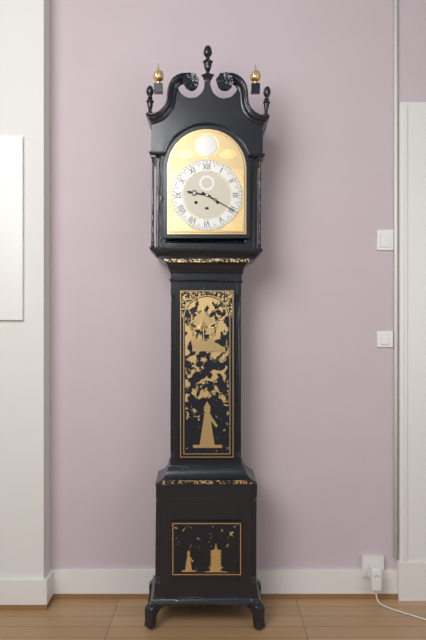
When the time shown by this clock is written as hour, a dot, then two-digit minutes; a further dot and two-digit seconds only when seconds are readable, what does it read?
9.20
